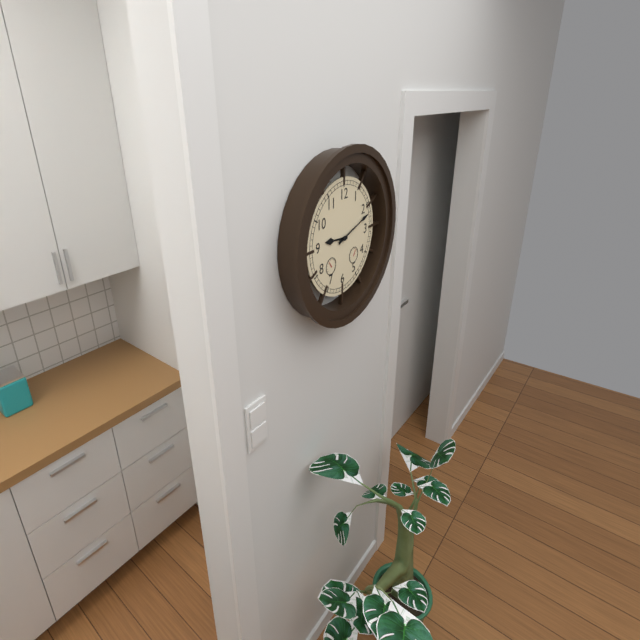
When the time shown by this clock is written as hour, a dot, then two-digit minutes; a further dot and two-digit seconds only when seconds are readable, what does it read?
9.12
